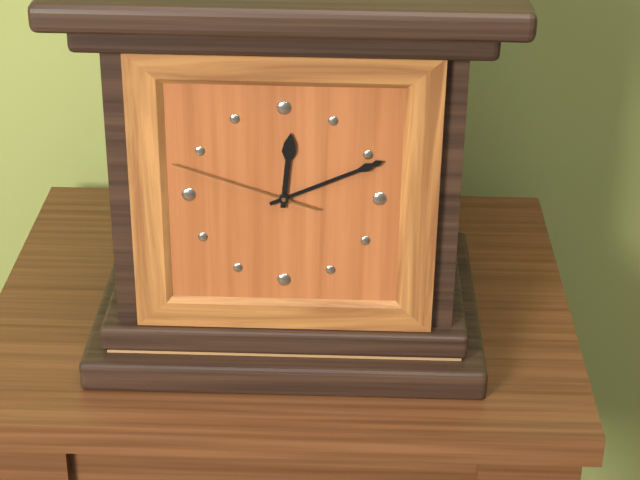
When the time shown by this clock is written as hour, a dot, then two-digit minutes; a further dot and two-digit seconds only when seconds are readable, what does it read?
12.11.48
